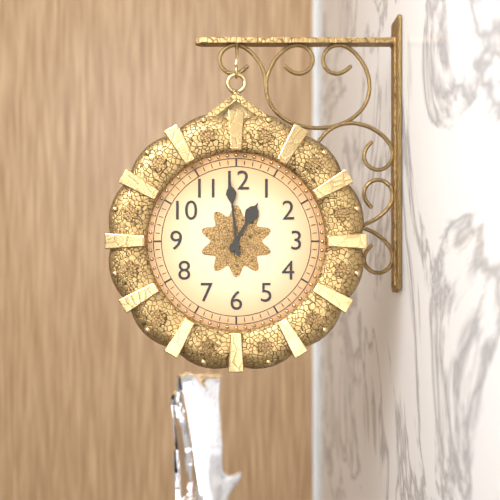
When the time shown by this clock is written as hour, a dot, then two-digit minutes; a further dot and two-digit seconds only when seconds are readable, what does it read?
12.59
